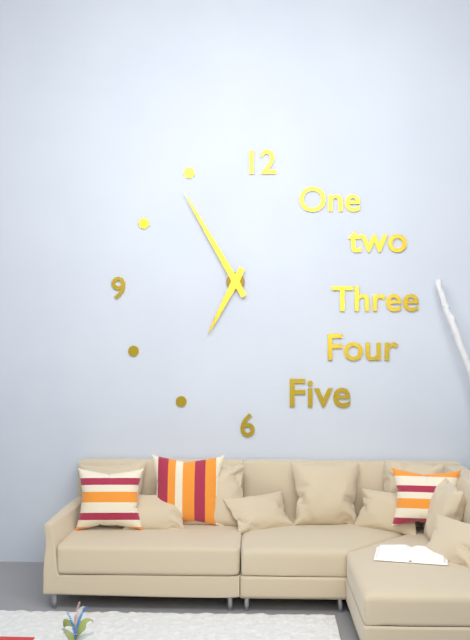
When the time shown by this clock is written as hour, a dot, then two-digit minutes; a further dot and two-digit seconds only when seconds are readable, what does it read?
6.55
